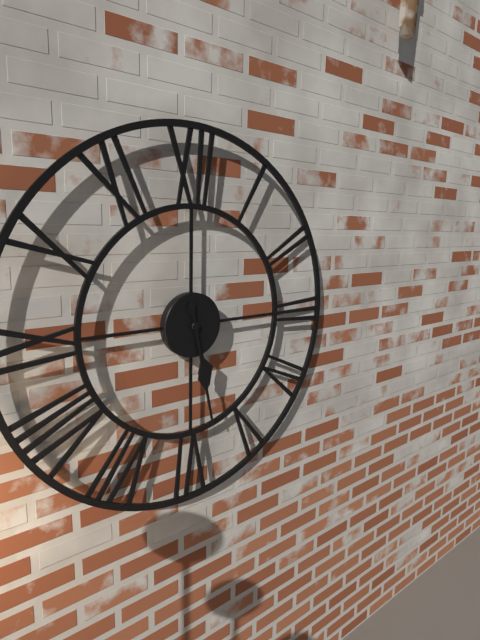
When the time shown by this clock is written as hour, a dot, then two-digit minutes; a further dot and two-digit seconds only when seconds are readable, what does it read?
5.28
